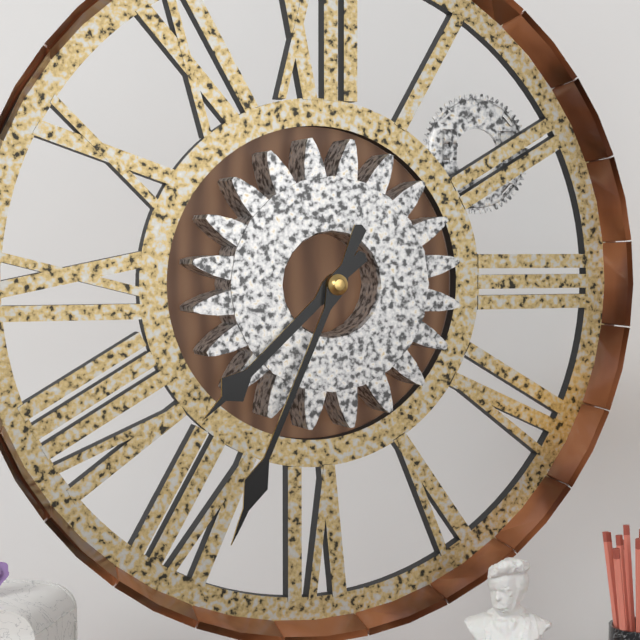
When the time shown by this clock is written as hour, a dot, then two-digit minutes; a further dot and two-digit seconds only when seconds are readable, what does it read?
7.34
